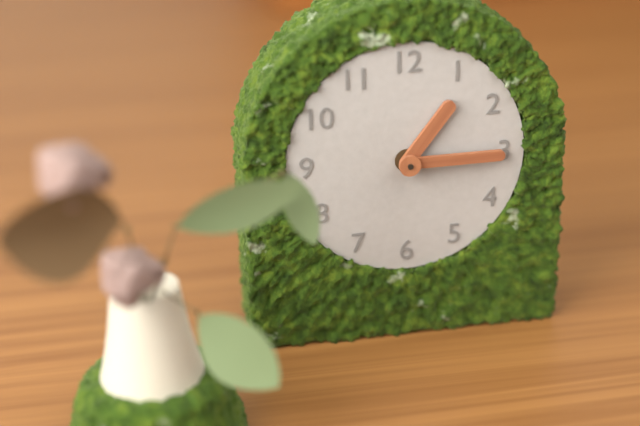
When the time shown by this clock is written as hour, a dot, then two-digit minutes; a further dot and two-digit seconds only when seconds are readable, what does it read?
1.15
